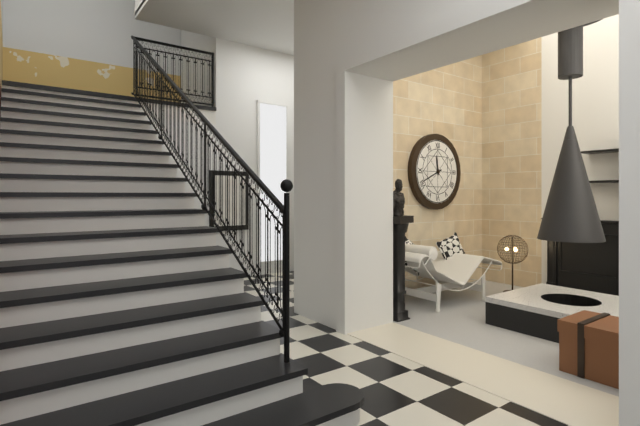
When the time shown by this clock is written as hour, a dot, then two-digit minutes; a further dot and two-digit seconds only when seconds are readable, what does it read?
11.41
